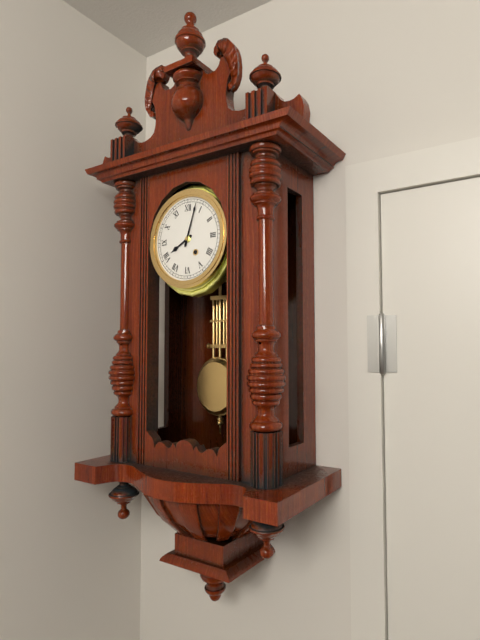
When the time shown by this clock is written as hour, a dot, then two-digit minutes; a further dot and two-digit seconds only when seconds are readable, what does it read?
8.03
